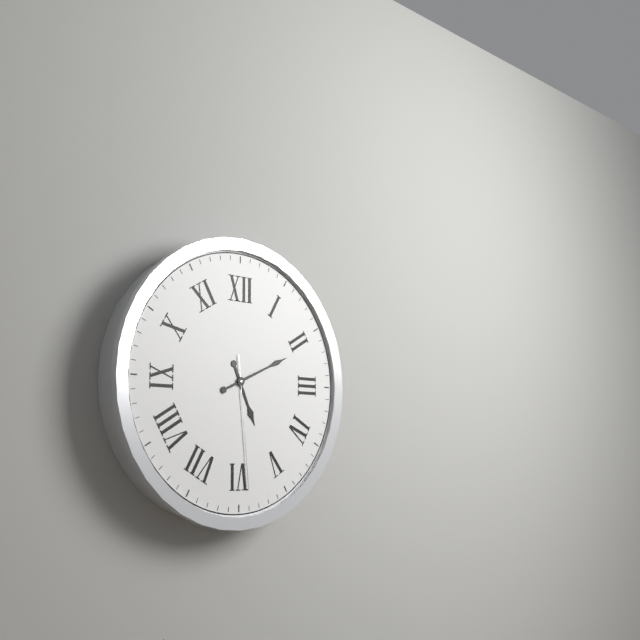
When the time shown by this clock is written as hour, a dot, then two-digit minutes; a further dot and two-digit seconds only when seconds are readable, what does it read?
5.11.29
